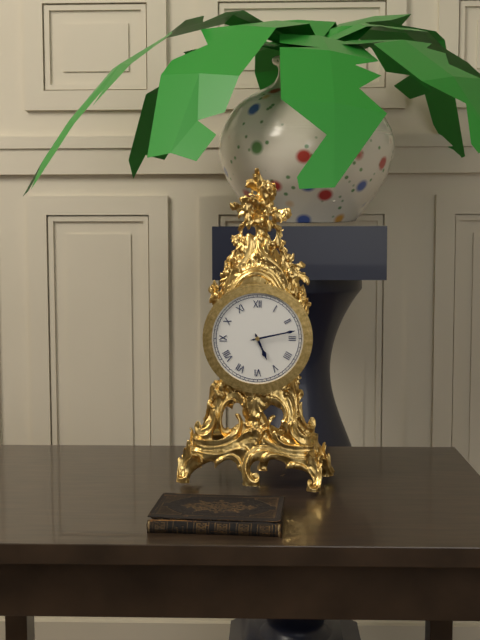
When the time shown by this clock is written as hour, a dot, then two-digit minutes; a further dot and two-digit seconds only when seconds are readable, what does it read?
5.13
